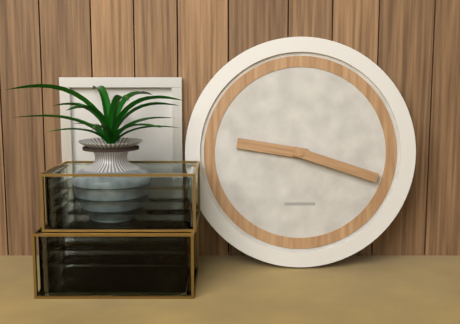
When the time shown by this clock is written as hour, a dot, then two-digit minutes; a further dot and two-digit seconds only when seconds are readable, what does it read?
9.18
